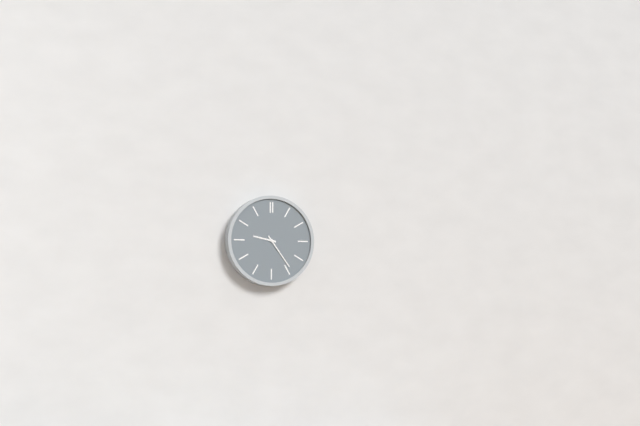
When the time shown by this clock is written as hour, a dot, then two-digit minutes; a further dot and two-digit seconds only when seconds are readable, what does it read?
9.24
